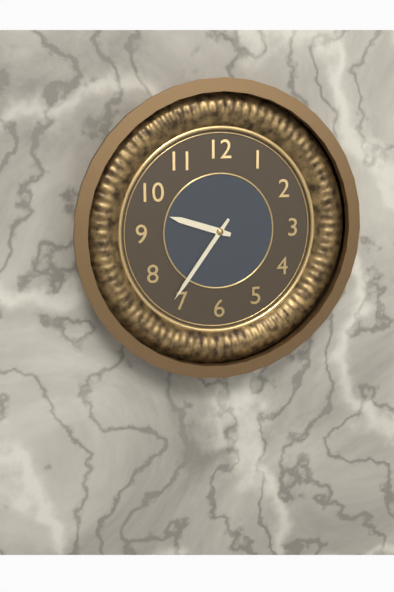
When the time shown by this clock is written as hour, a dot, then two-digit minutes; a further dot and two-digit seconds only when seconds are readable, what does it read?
9.36
